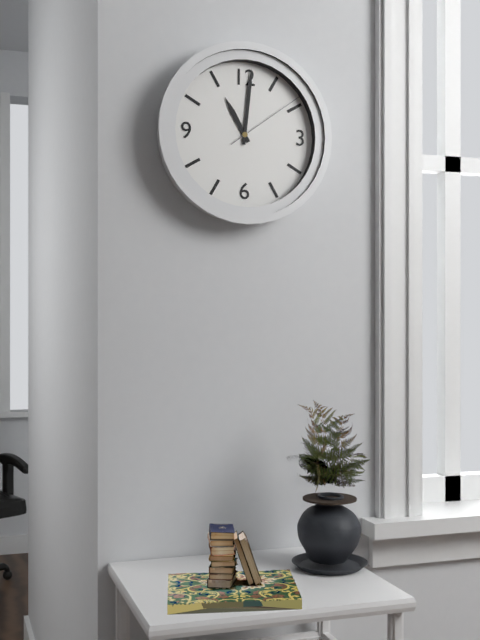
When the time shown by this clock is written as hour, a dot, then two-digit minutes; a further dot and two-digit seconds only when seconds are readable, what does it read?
11.01.09
